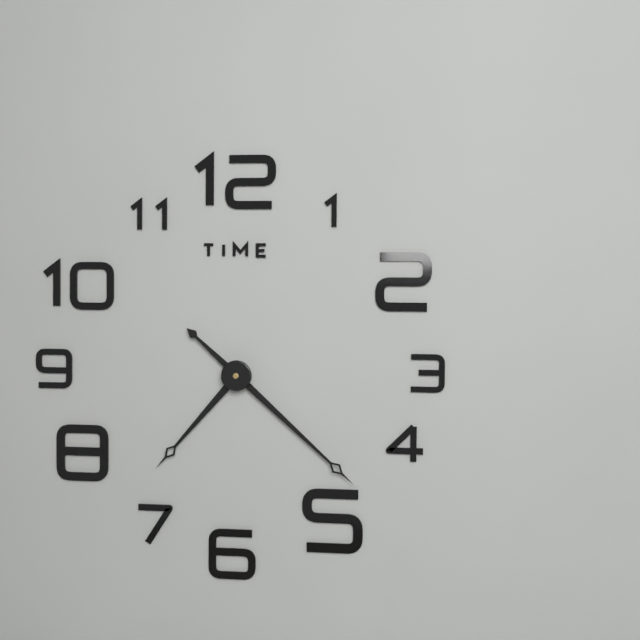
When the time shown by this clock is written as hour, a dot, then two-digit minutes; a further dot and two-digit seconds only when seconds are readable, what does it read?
7.22
